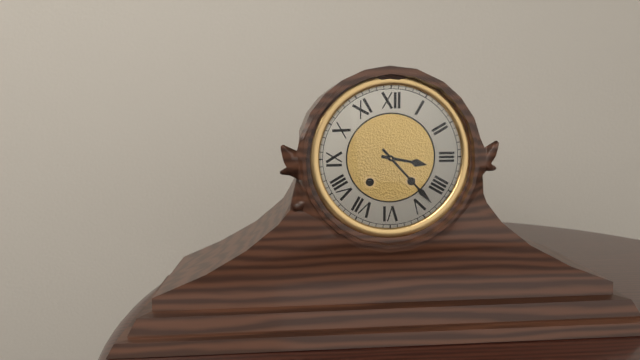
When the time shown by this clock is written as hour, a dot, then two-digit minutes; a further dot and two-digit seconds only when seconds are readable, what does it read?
3.23
